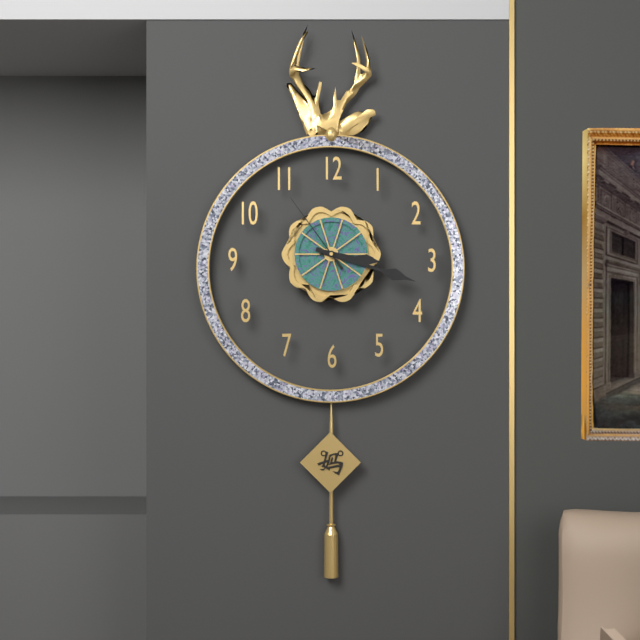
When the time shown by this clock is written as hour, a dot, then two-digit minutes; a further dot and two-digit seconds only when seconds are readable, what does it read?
3.18.54
